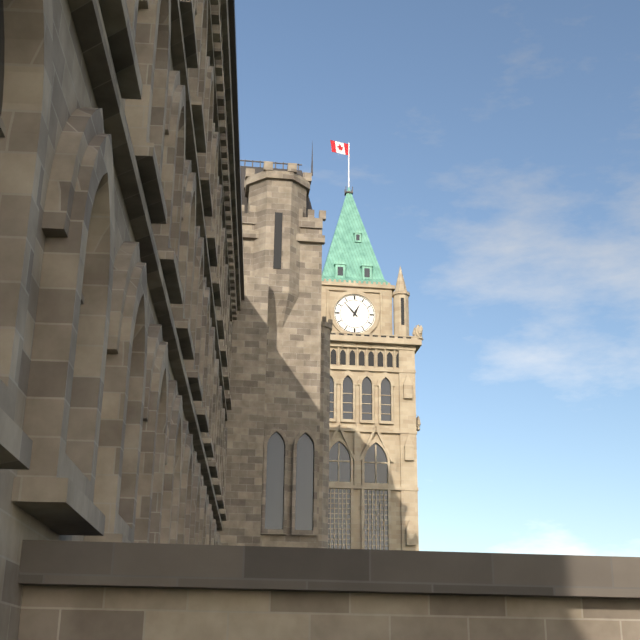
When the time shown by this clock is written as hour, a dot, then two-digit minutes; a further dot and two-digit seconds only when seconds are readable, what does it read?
12.53
